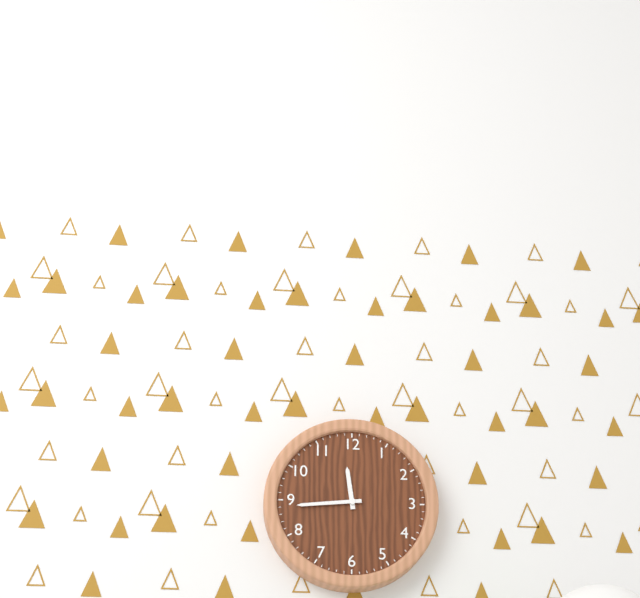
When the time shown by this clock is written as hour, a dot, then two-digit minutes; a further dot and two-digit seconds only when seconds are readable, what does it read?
11.44
